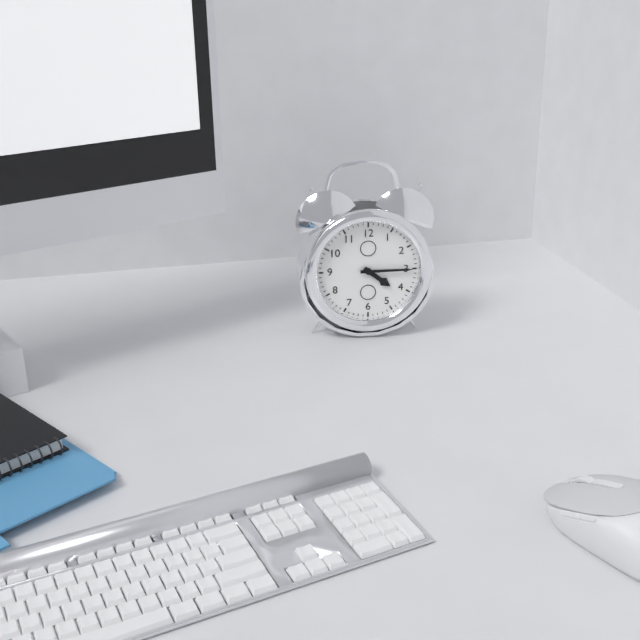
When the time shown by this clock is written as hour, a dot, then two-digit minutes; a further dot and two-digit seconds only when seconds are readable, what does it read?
4.15
